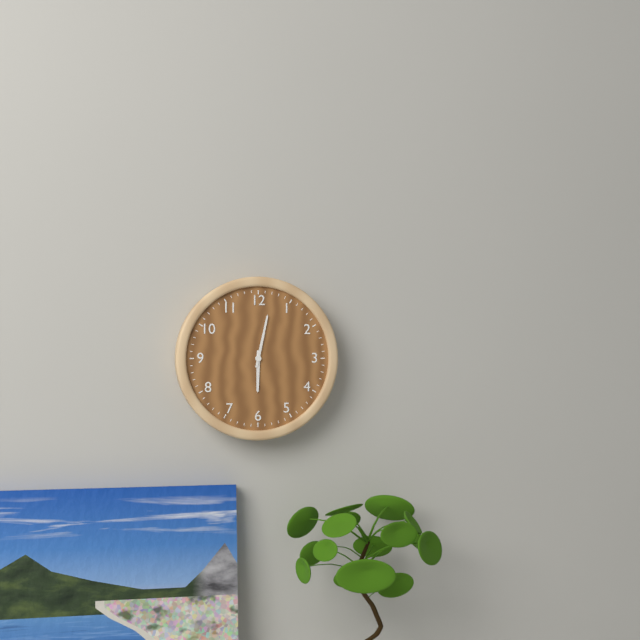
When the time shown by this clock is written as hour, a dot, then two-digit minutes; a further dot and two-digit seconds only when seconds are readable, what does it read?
6.02
